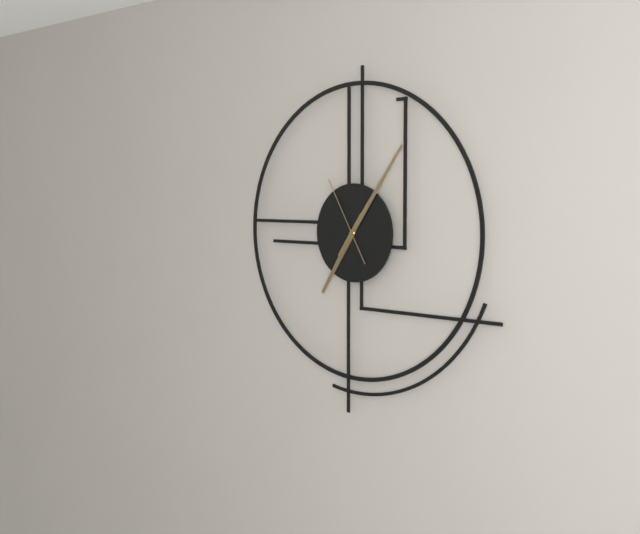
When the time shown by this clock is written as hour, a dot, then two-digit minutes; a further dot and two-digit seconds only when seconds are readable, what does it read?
7.06.55
